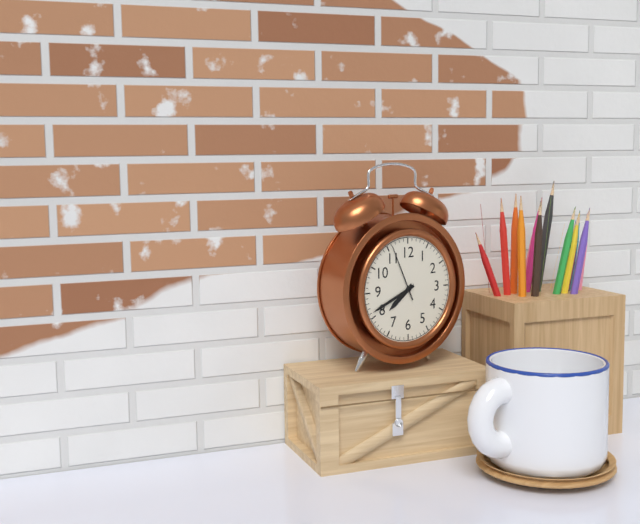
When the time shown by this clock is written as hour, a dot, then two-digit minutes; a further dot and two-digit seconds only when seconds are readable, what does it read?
7.41.56
